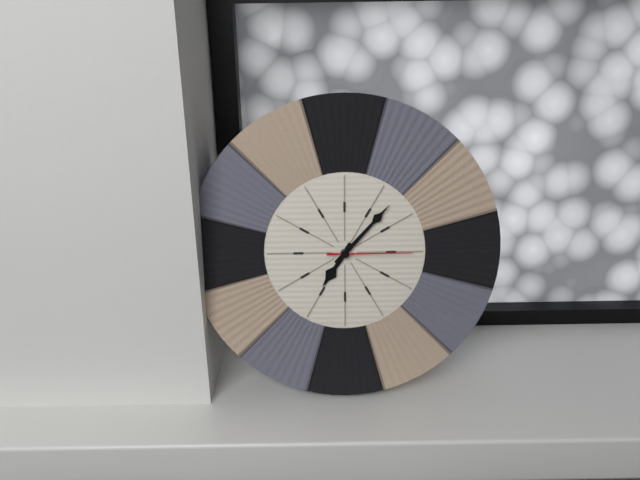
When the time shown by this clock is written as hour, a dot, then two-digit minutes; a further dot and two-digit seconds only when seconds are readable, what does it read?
7.07.15
